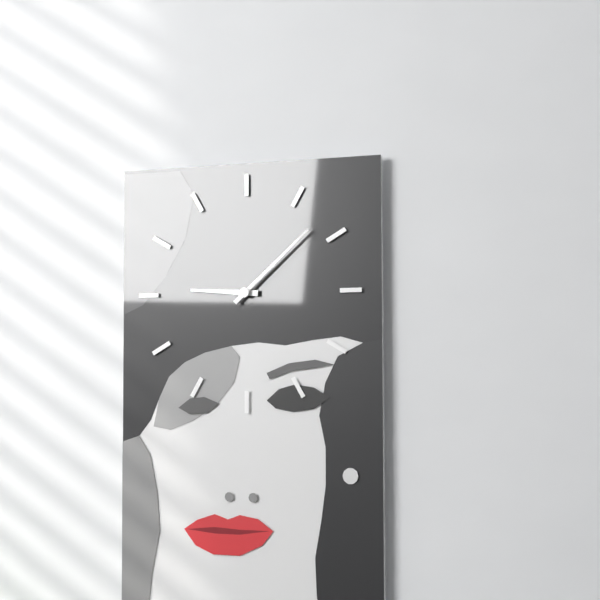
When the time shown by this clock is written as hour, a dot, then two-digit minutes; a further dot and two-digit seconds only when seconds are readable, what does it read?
9.08
